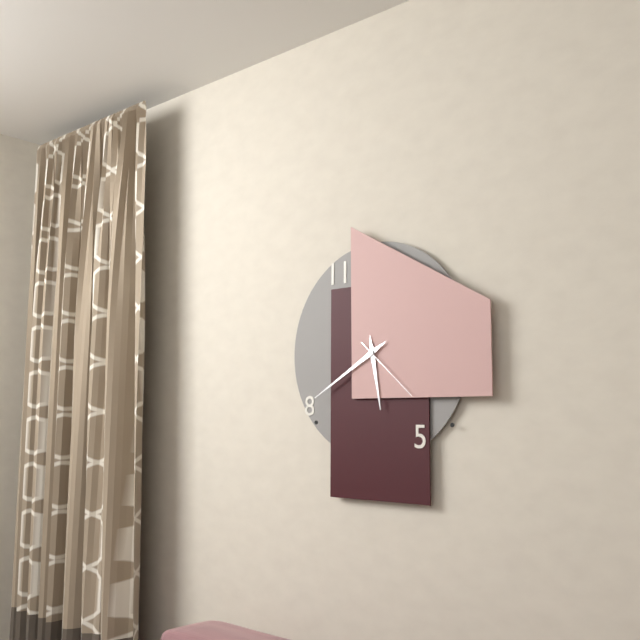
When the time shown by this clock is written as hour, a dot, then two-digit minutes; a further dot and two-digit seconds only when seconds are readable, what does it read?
5.40.22
